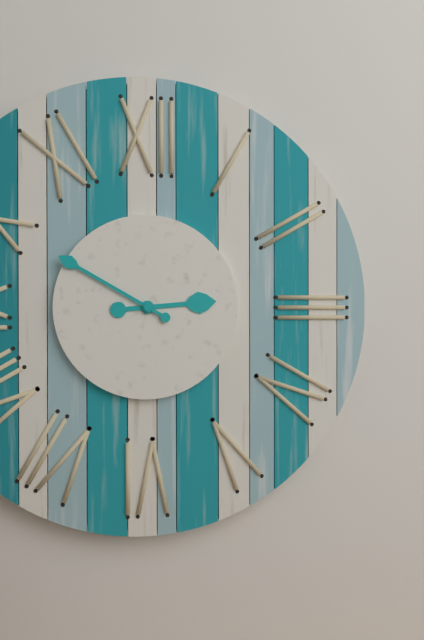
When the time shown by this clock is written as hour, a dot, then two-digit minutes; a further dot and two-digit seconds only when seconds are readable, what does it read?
2.50
